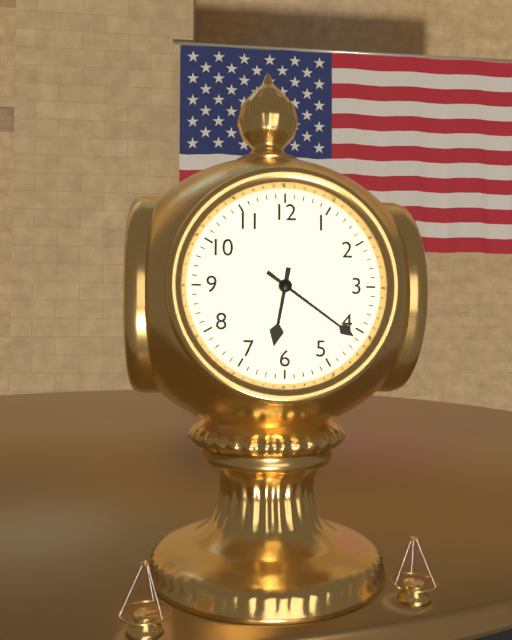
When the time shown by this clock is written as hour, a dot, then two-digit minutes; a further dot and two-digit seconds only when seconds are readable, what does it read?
6.21
